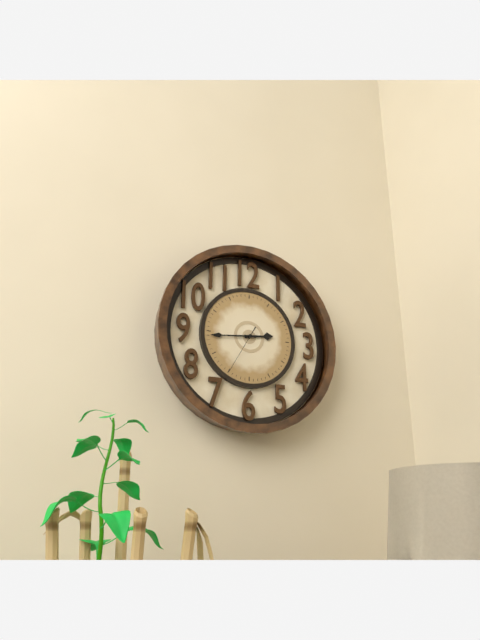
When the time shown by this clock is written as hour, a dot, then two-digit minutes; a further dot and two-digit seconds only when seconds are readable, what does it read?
2.44.35
